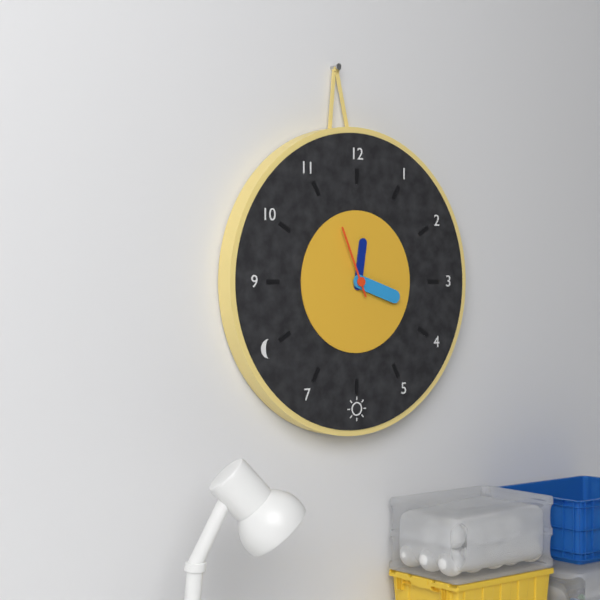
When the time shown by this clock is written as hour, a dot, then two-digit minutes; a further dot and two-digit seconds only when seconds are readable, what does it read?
12.18.56
